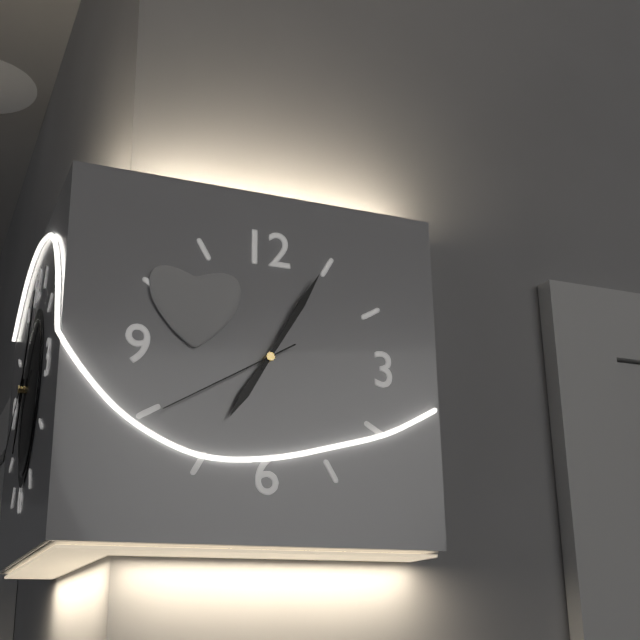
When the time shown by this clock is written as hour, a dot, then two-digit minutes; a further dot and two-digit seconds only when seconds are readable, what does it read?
7.05.40
